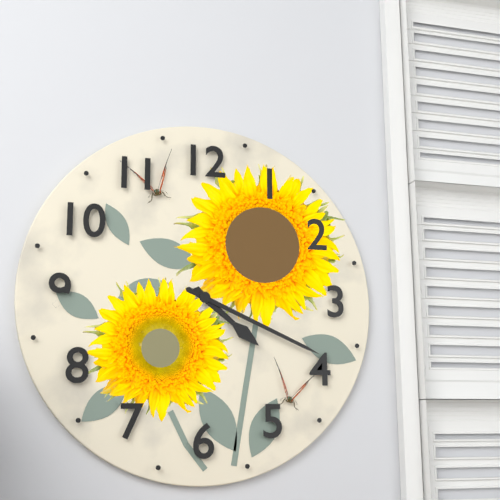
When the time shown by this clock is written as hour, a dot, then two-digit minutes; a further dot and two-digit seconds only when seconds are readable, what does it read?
4.19
